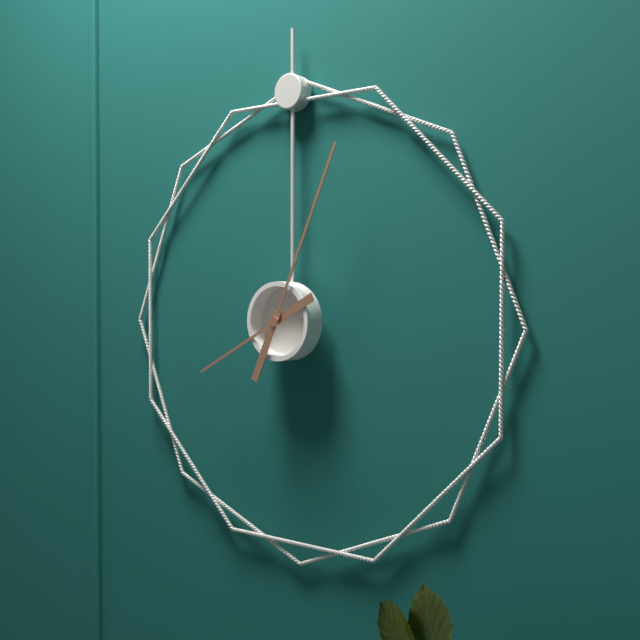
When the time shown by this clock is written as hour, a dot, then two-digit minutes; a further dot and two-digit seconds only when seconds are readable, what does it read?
8.04
